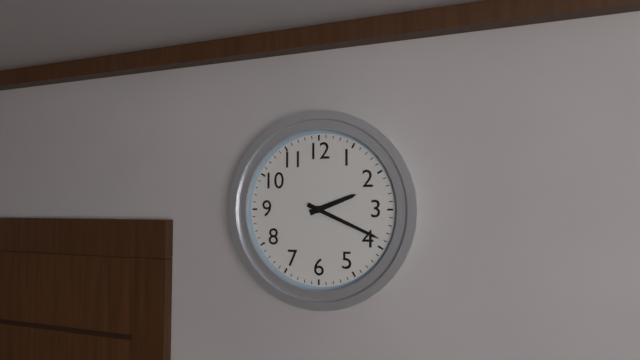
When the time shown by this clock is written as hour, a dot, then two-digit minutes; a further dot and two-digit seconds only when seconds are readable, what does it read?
2.19
